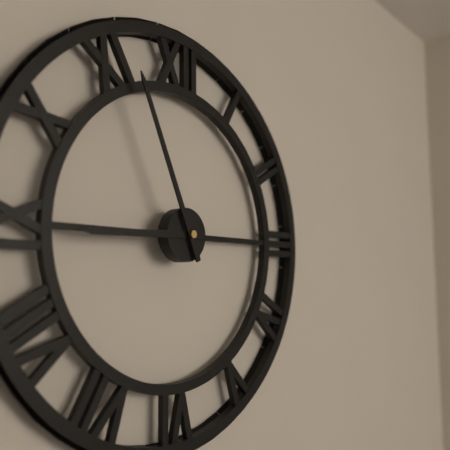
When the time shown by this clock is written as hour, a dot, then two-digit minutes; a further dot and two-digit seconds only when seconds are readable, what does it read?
8.56
